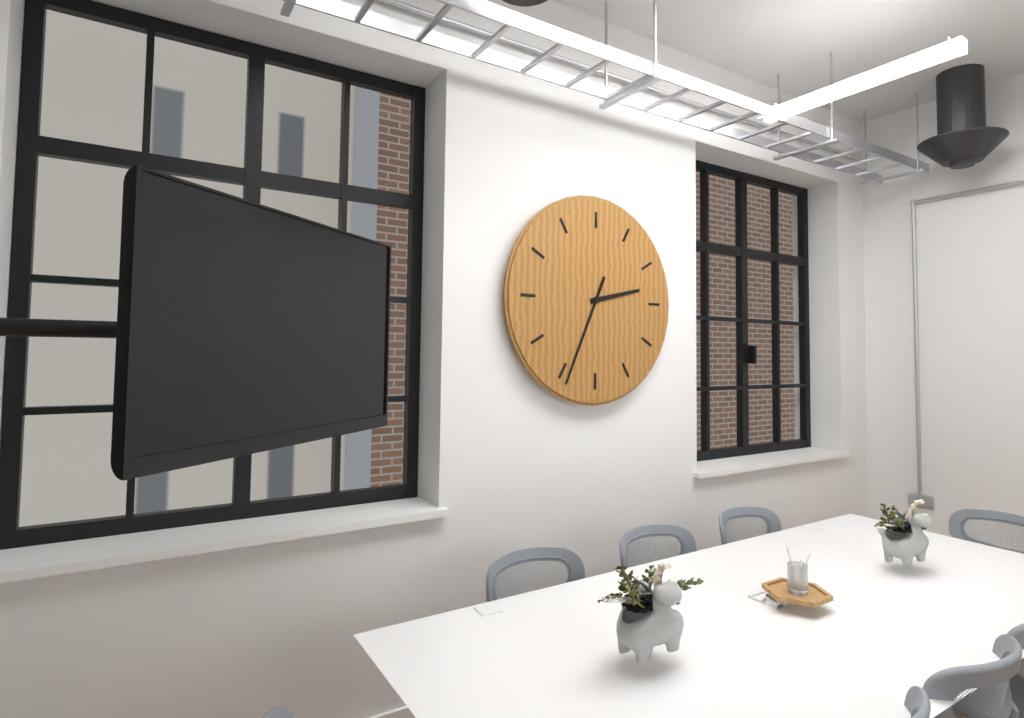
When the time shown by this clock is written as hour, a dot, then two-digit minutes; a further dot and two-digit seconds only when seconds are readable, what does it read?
2.34
